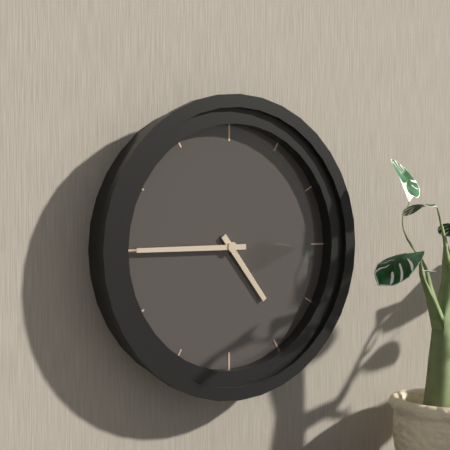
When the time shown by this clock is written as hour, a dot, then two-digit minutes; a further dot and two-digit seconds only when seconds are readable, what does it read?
4.45
